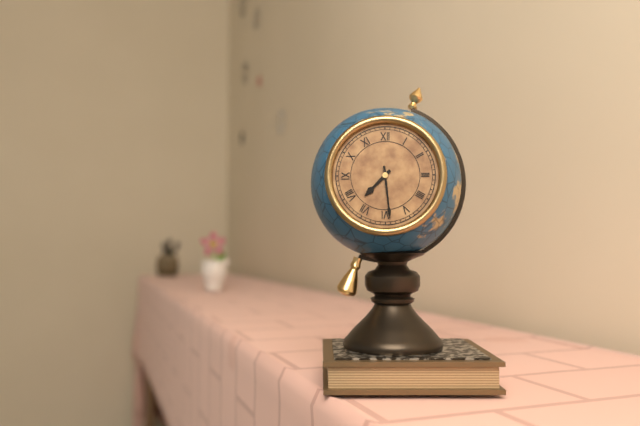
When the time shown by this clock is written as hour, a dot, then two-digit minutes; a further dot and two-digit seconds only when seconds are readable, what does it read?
7.29
